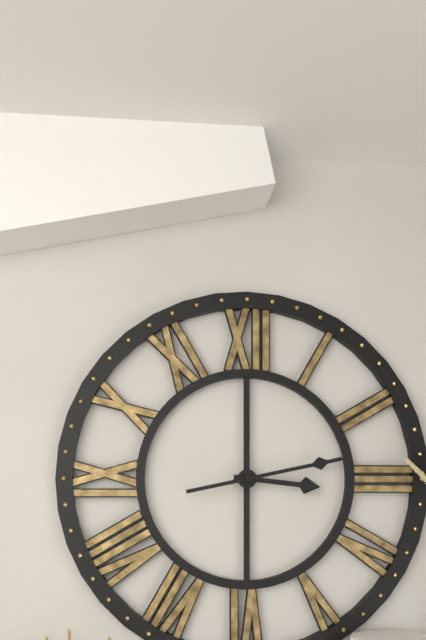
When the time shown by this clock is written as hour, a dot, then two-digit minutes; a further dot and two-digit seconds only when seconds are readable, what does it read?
3.13
